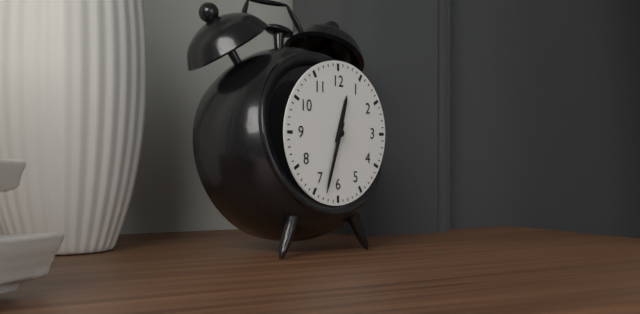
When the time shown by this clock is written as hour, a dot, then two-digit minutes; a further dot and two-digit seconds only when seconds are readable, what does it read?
12.33
